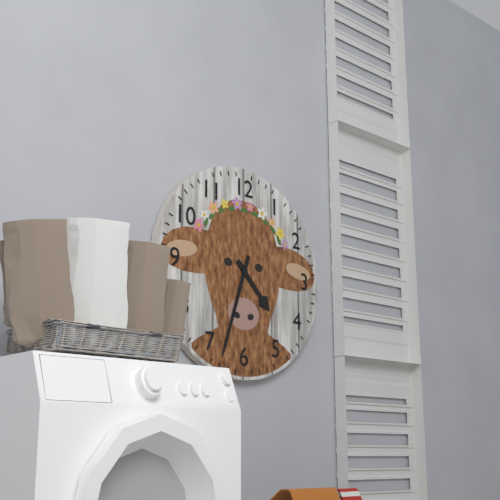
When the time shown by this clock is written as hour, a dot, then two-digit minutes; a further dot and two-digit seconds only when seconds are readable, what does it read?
4.33
